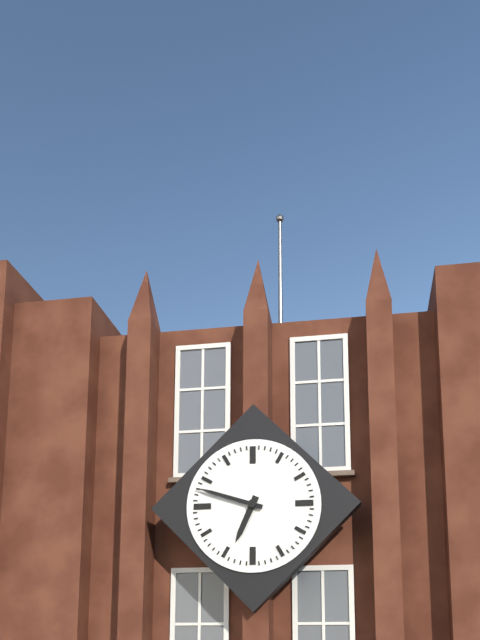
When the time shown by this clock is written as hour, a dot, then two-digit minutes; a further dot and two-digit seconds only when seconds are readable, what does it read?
6.48
